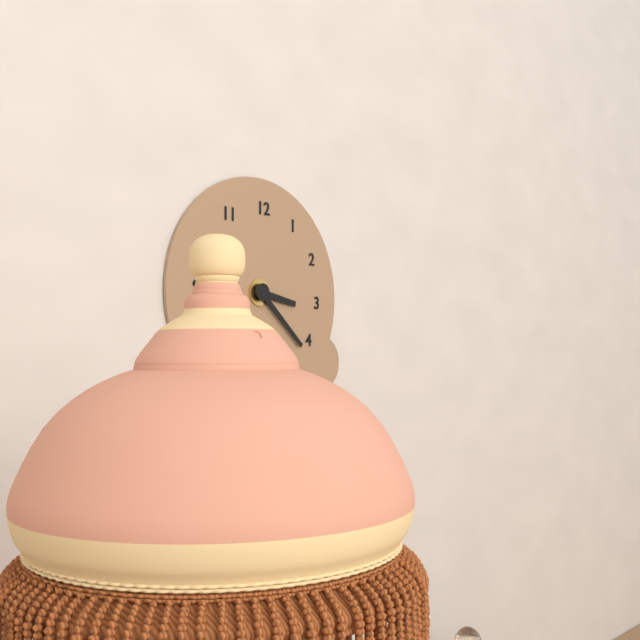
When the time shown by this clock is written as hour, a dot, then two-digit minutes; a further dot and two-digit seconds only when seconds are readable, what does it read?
3.22
